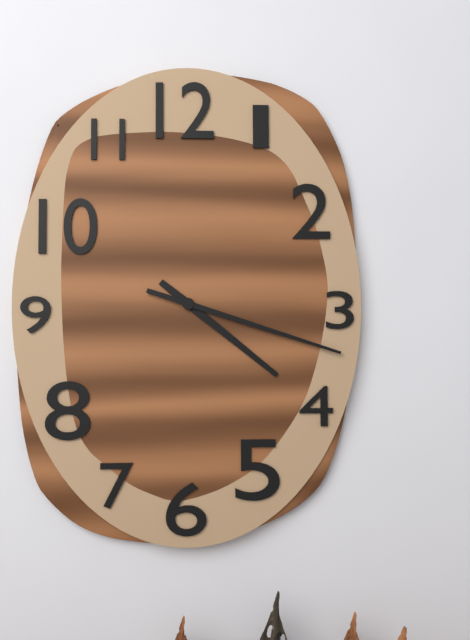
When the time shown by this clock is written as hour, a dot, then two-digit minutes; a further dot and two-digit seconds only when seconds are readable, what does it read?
4.18
